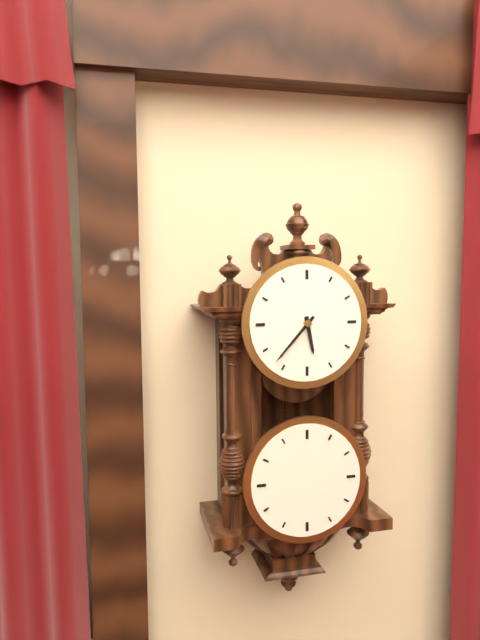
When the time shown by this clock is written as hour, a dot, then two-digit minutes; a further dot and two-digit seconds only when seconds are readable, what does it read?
5.37
